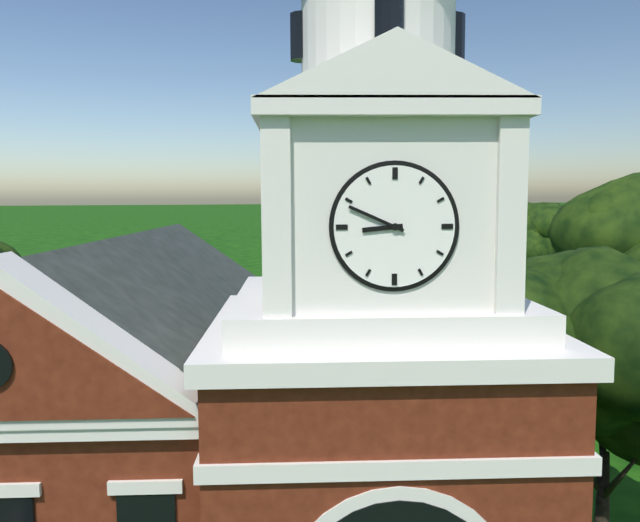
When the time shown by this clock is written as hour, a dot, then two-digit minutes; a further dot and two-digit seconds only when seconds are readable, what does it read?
8.49
